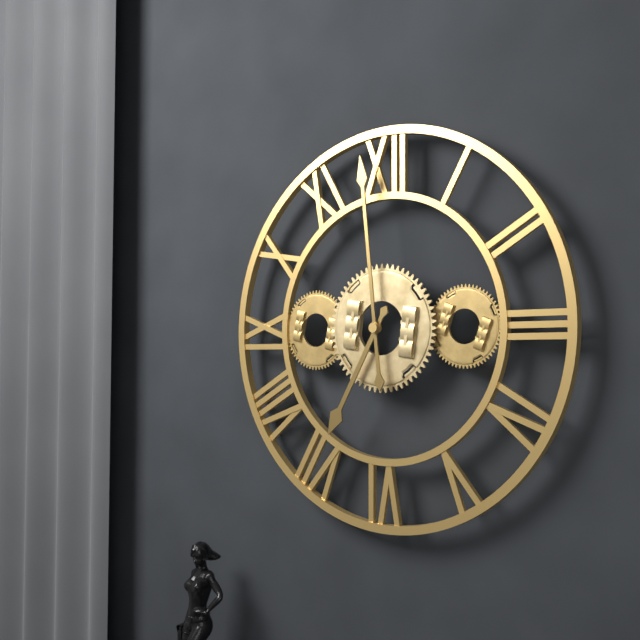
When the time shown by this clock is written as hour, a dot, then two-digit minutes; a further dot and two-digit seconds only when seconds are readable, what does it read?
6.59
